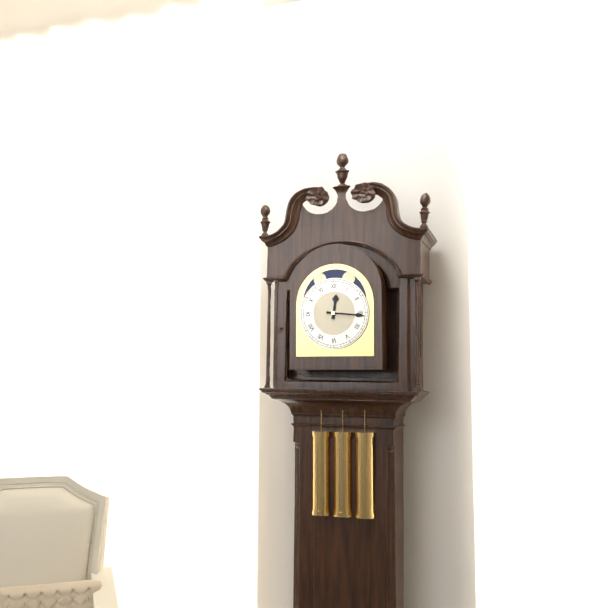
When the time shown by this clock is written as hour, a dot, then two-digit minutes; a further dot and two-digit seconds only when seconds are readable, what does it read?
12.16
